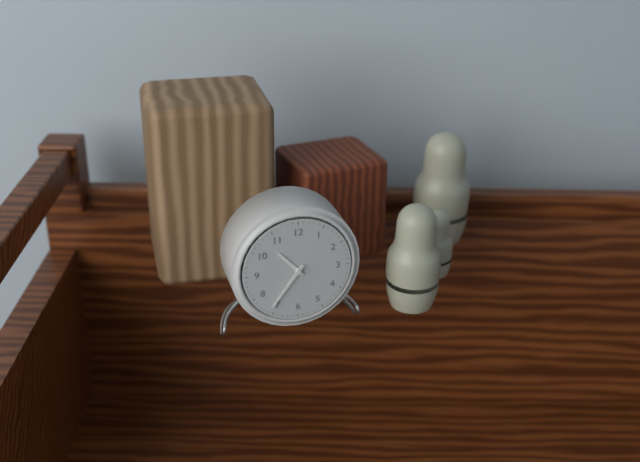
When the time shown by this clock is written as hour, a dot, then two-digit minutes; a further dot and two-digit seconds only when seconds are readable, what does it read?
10.36
